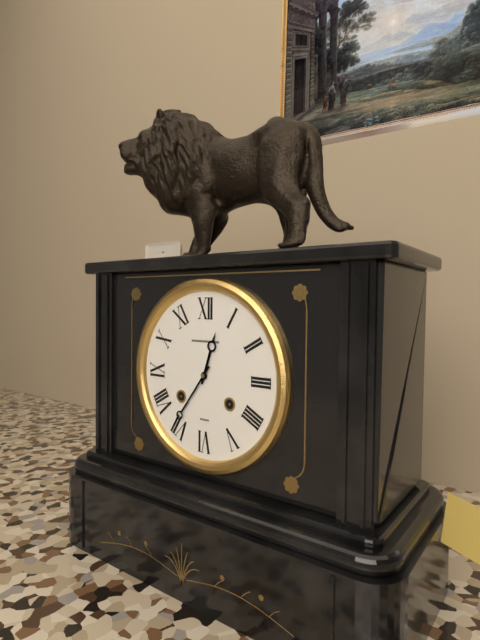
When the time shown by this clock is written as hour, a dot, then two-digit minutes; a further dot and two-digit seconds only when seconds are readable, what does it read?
12.36
